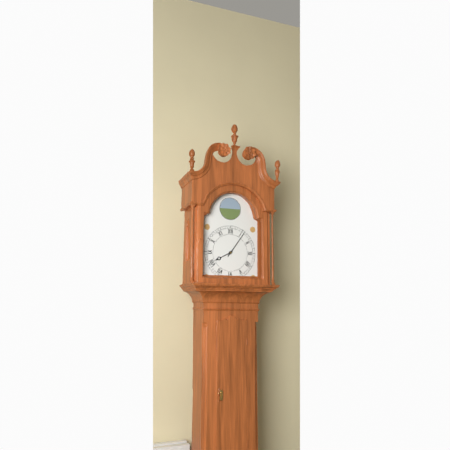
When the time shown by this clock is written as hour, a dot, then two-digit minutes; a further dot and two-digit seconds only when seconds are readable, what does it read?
8.06
